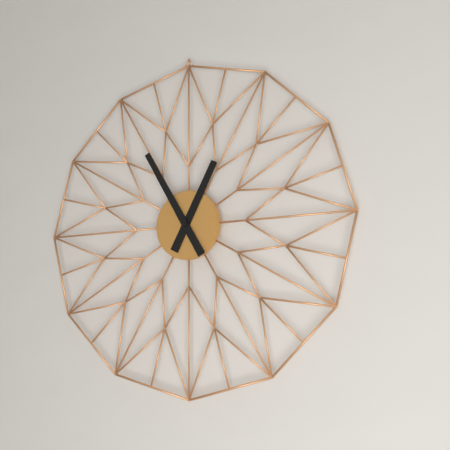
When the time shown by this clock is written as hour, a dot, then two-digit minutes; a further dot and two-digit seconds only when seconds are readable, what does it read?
12.55
